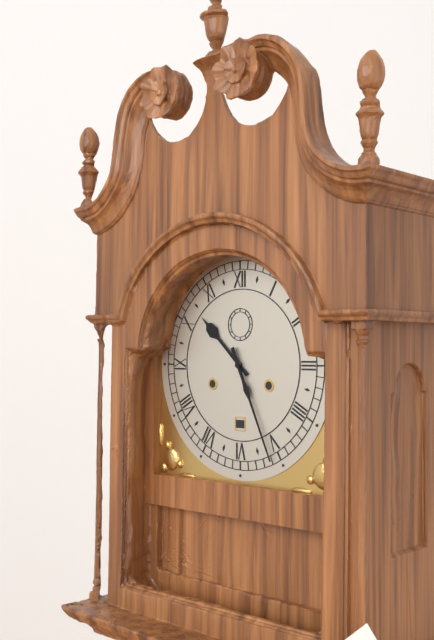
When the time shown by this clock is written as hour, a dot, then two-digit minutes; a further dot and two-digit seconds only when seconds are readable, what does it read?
10.26
